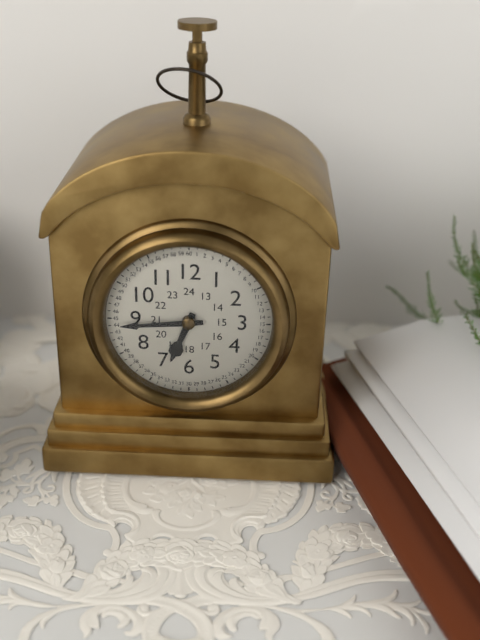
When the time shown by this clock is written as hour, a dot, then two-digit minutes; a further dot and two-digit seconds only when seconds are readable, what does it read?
6.44
